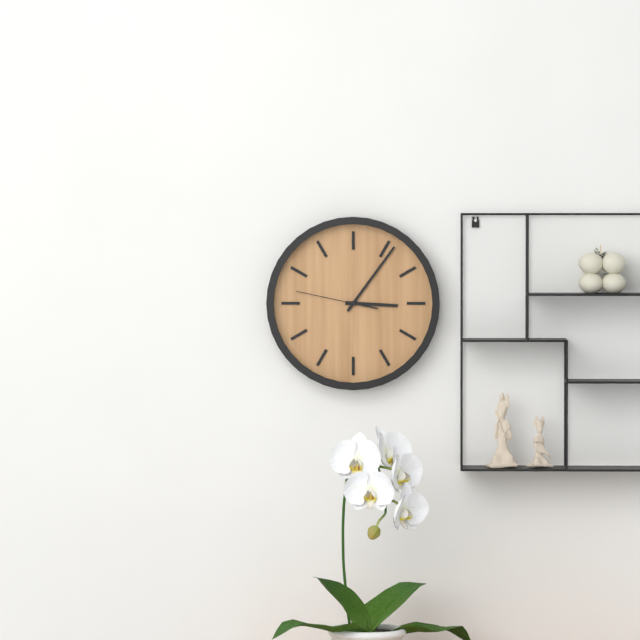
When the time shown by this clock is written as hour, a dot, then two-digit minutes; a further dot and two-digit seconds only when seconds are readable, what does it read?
3.06.47
